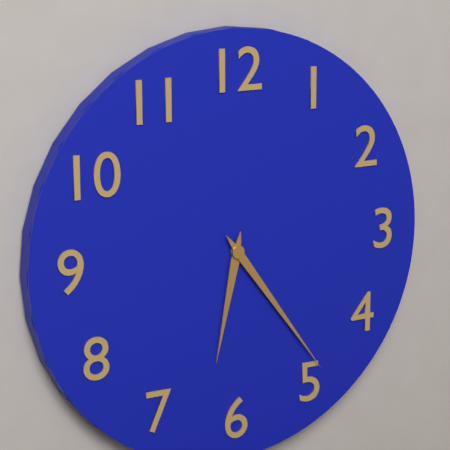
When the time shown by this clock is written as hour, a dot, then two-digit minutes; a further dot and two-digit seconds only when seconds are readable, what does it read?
6.24
